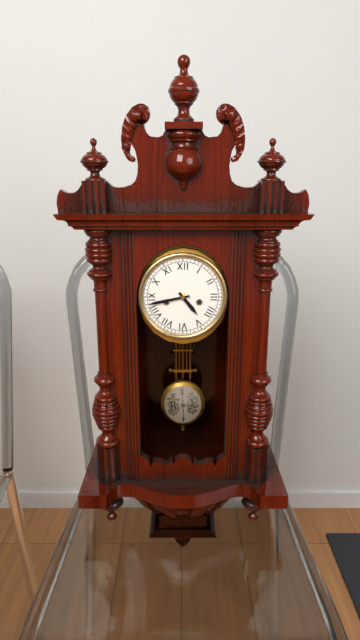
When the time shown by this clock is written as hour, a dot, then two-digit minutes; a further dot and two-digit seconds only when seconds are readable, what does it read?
4.43
